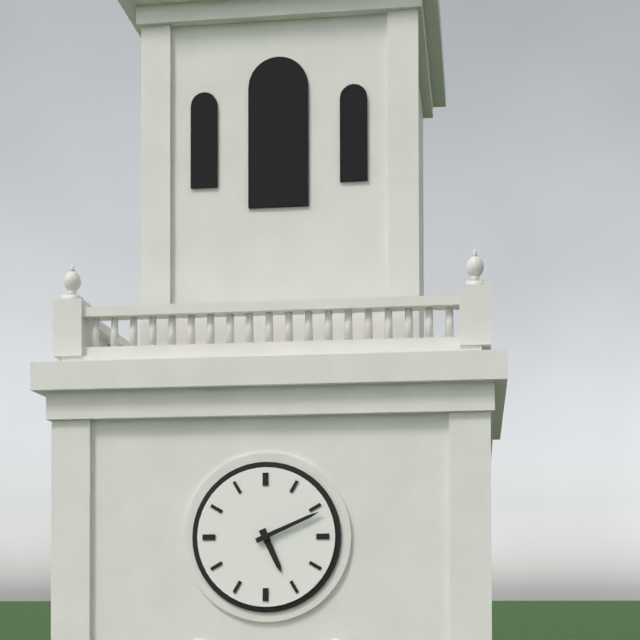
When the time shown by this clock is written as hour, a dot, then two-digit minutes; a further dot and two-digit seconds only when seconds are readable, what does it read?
5.11
